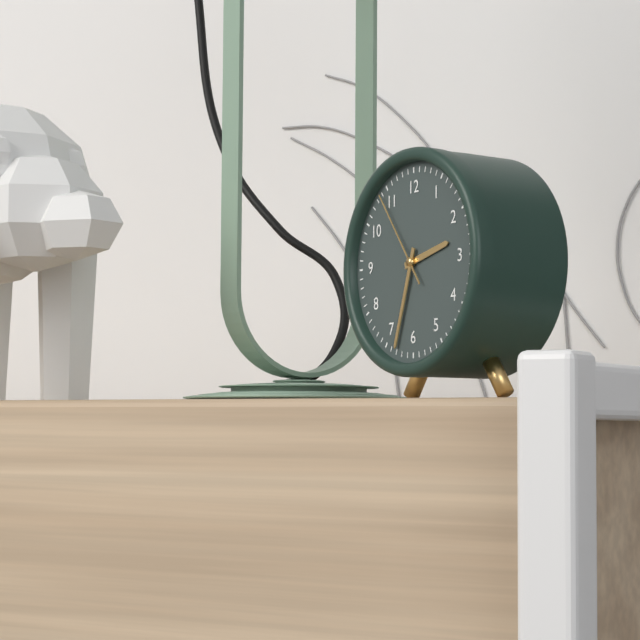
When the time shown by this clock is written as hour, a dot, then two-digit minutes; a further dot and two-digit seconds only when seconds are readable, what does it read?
2.33.54
